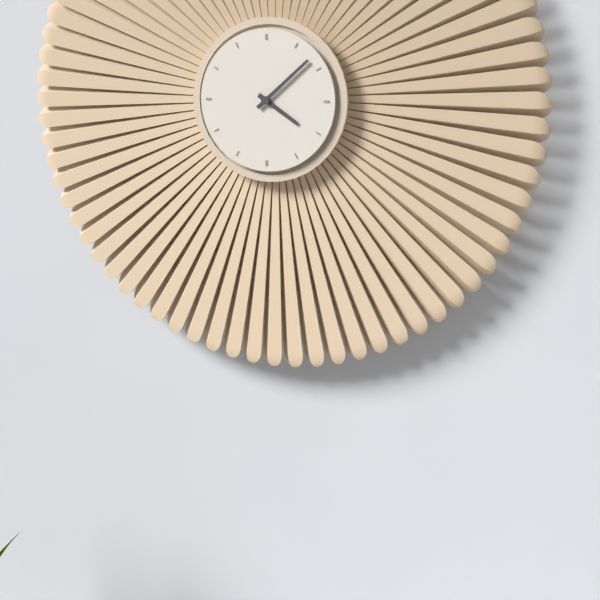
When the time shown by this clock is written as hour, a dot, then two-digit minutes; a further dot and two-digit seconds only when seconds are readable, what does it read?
4.08
